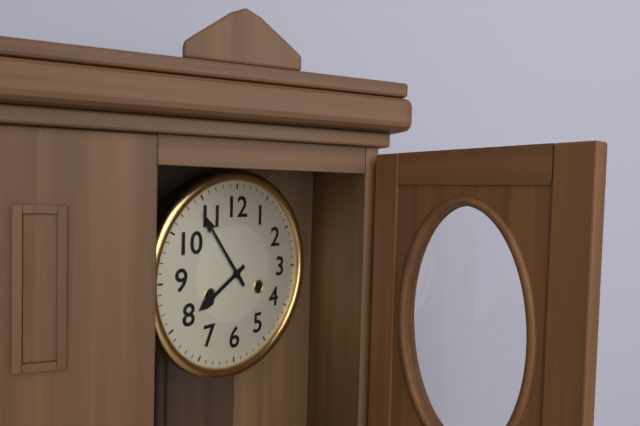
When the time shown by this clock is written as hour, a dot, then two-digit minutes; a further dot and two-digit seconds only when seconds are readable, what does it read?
7.54
